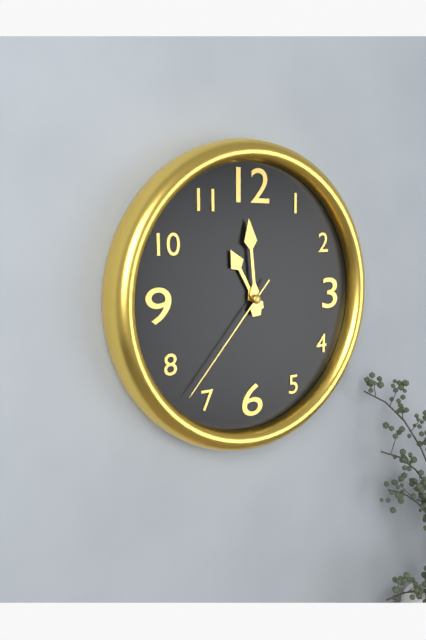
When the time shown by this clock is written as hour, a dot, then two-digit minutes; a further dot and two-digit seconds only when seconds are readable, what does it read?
10.59.37
